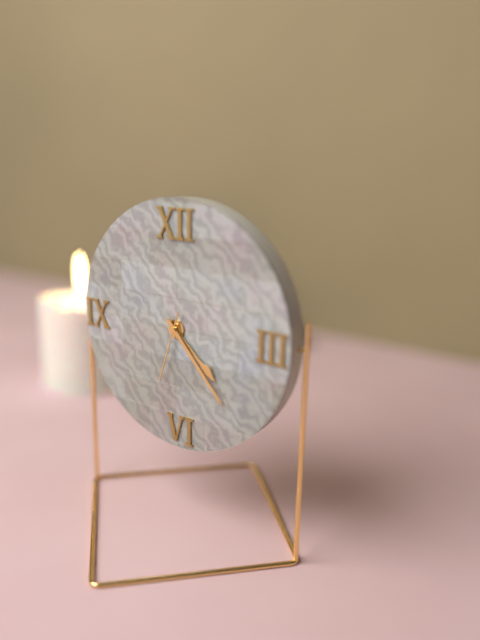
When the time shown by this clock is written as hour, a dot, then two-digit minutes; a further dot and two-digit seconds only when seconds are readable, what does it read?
4.23.33
